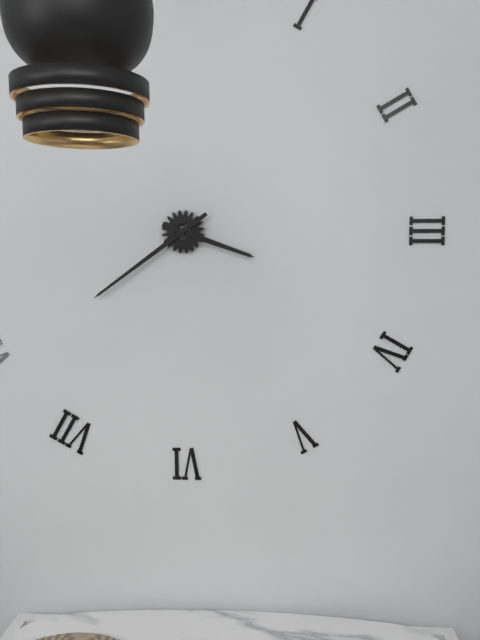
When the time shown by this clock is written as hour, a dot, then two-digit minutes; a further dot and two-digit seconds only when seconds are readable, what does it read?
3.39
